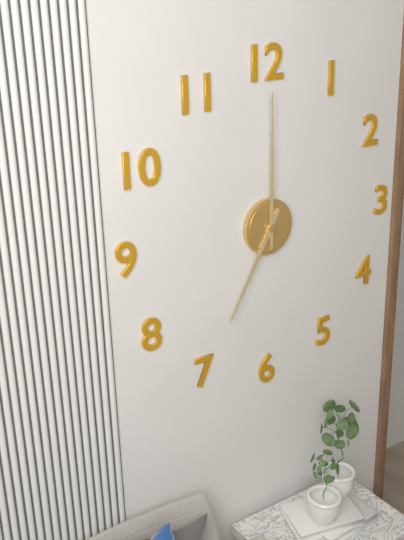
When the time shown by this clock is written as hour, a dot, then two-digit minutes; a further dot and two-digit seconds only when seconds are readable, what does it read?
7.00
